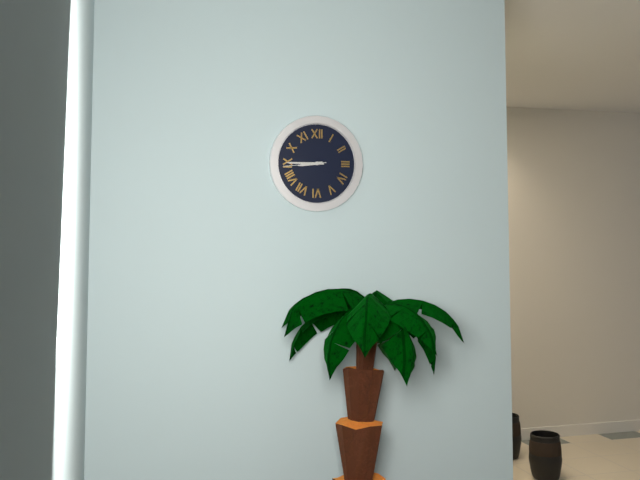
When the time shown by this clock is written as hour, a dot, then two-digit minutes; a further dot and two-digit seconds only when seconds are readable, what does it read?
8.45
